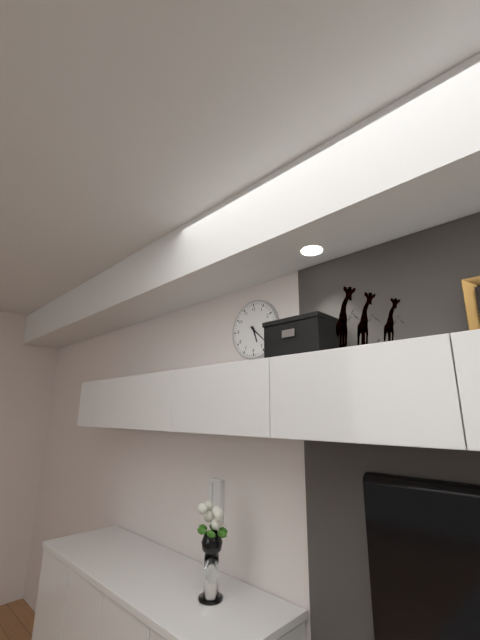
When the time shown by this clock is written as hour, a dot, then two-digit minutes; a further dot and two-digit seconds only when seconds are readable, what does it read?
5.22
